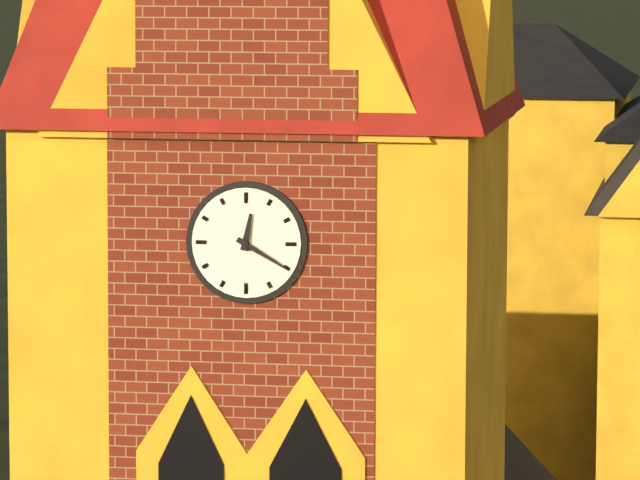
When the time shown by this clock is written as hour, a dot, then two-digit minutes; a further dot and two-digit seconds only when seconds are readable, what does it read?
12.20
